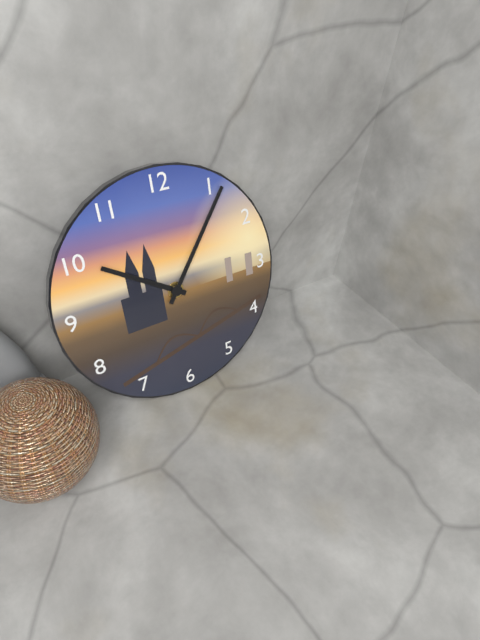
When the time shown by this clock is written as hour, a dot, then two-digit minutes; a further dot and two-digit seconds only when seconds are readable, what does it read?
10.06
